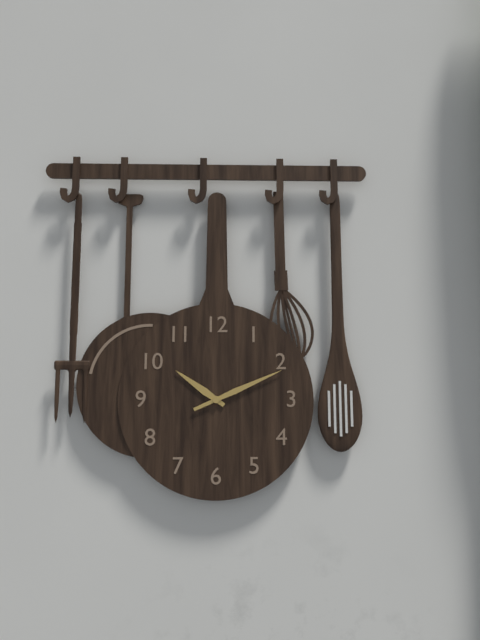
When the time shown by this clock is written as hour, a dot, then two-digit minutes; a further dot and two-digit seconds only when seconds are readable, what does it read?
10.11
